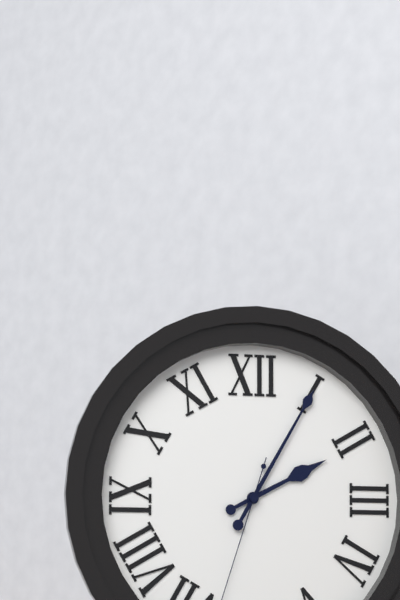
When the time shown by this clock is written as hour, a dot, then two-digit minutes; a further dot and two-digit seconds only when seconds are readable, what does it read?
2.05
